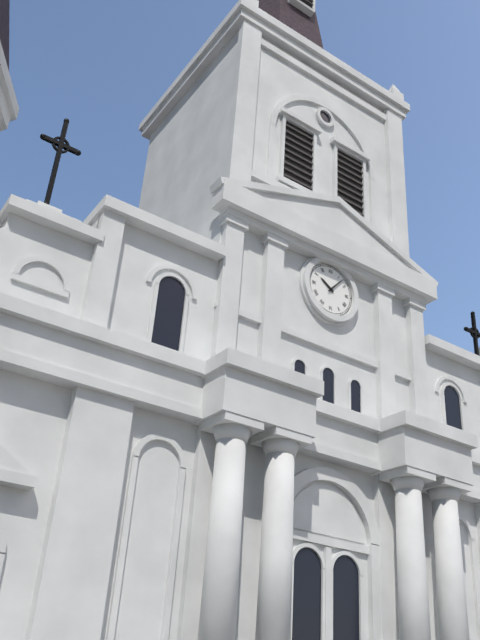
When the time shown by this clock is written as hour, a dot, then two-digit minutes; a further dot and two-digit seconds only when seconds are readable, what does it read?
10.07
